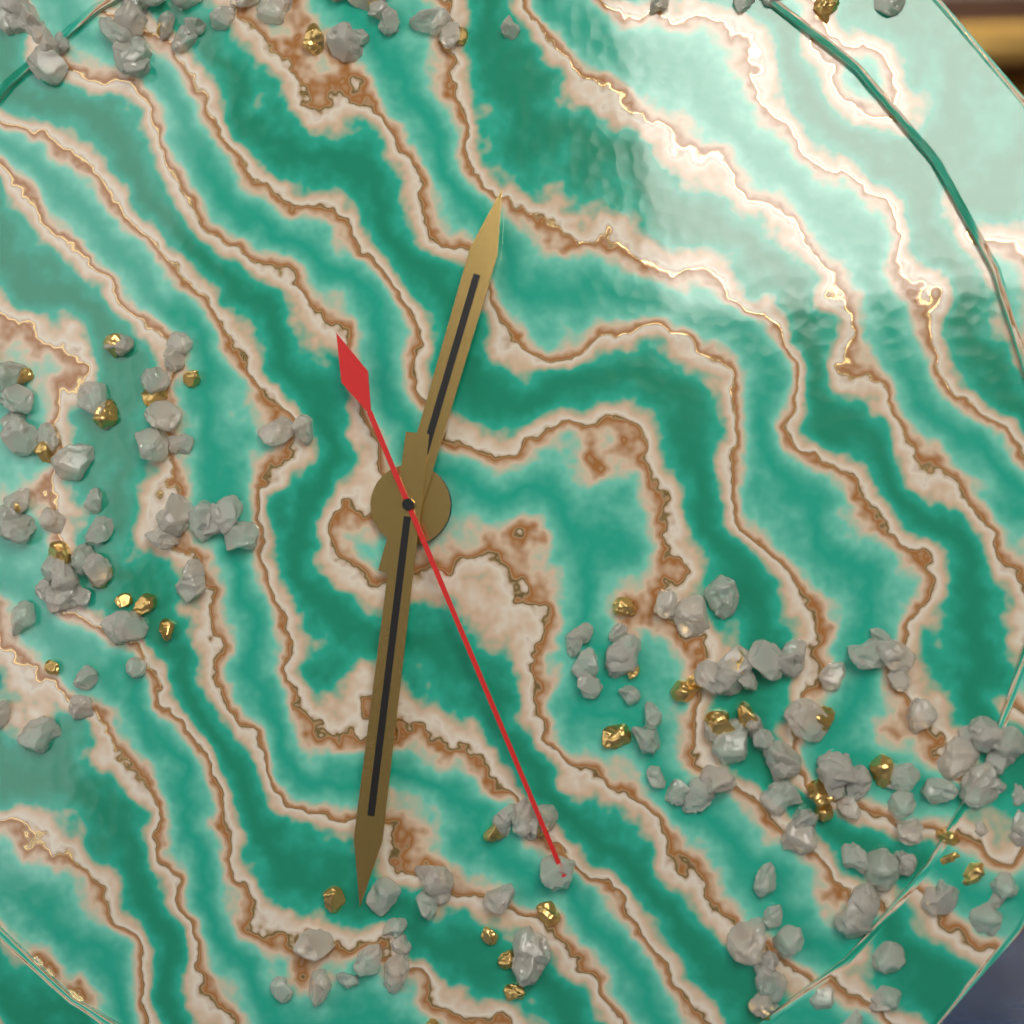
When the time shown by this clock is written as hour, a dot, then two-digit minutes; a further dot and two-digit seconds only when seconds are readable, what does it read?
12.31.26
